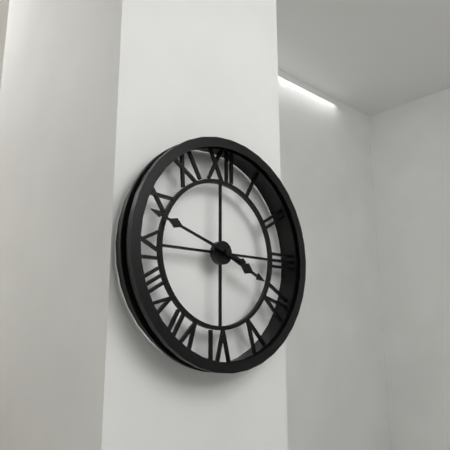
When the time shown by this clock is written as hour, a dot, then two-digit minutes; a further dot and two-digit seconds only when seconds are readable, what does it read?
3.48
